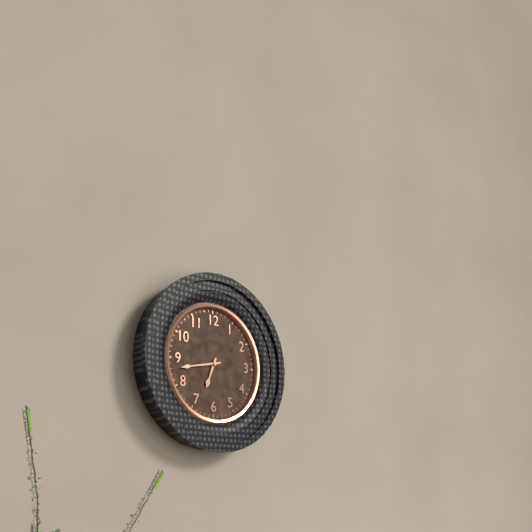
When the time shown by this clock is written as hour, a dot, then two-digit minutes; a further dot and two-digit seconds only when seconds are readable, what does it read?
6.43
